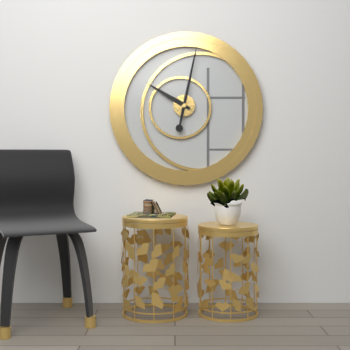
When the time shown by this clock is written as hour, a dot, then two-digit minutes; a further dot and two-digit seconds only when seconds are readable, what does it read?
10.02
